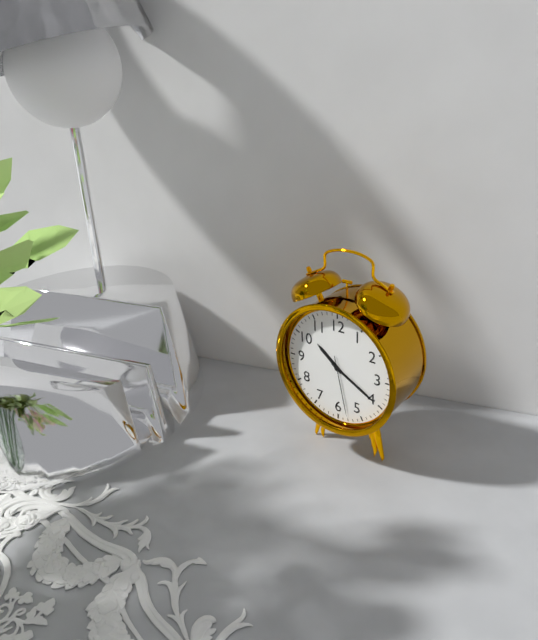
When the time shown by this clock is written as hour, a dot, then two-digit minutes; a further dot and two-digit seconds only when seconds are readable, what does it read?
10.20.28
